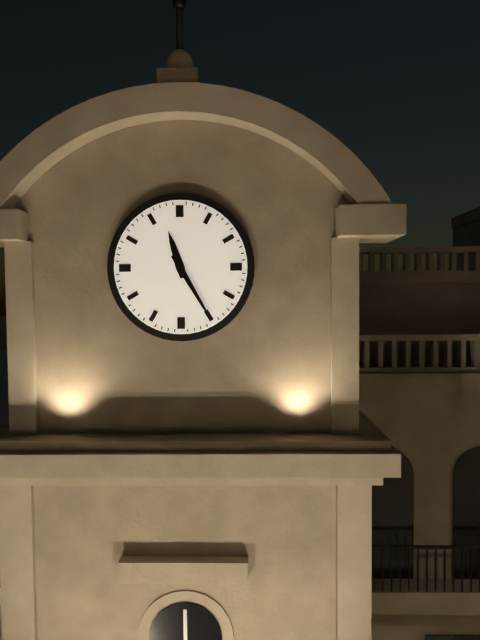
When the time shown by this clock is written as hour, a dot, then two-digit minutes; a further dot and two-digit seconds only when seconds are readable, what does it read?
11.25
